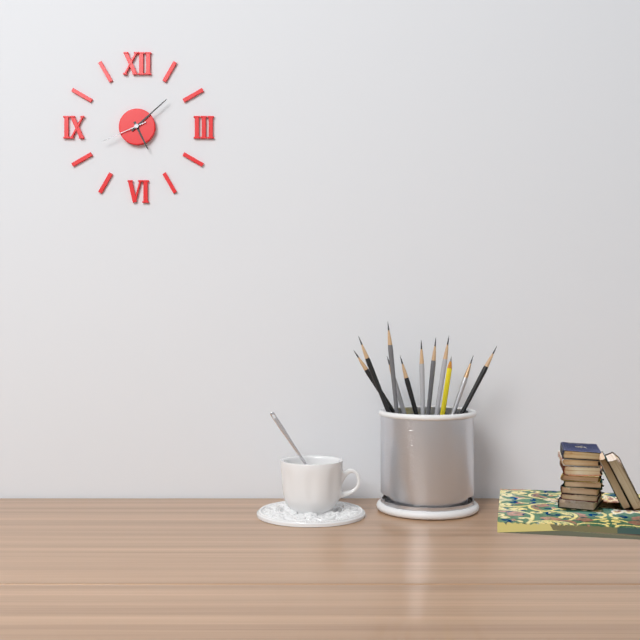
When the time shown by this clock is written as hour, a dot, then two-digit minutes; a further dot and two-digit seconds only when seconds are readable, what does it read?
5.08
